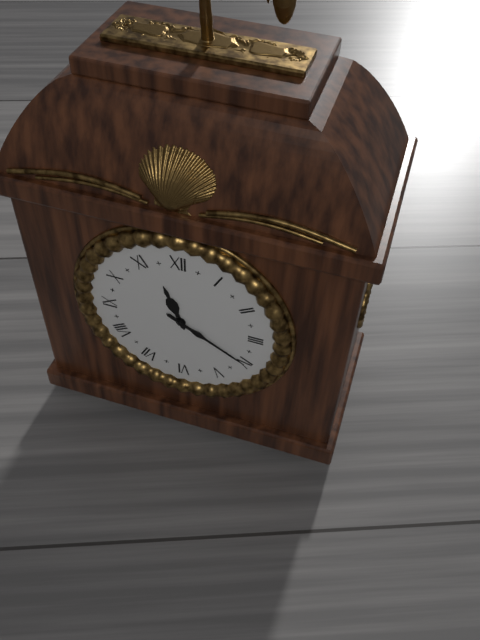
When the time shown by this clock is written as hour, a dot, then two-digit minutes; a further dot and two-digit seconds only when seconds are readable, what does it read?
11.20
